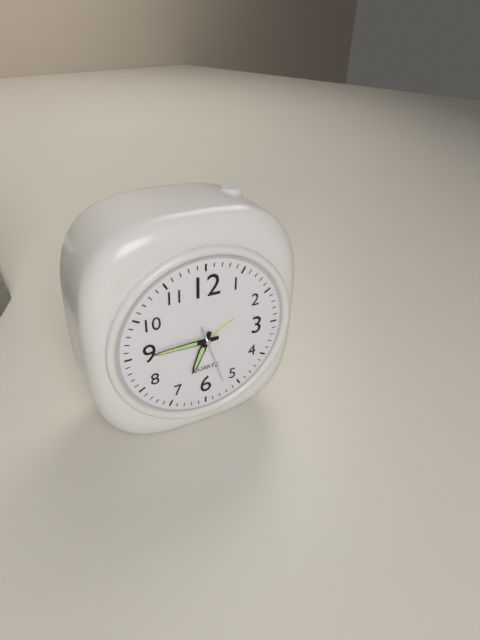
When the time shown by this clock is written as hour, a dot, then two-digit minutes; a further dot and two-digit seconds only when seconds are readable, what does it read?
6.45.27
